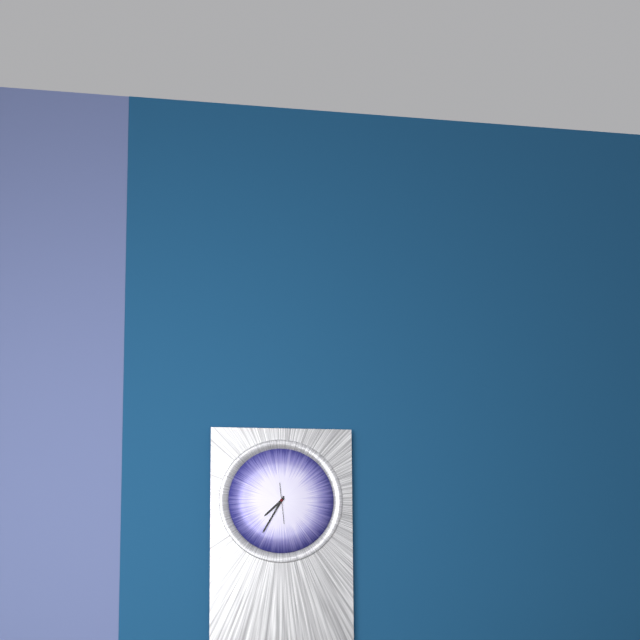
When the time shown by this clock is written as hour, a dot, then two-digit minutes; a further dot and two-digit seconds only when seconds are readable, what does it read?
7.35
